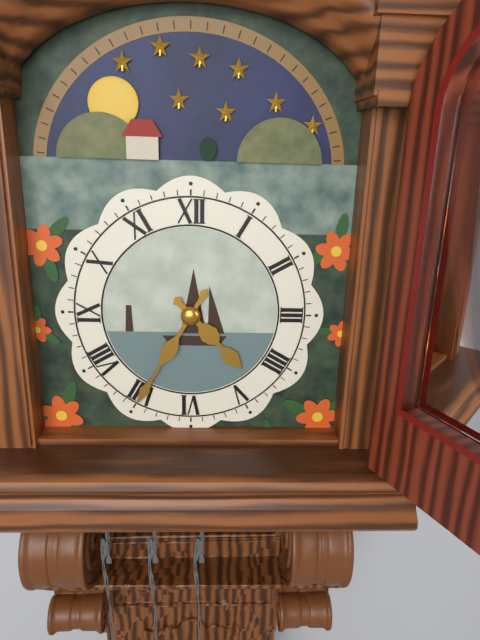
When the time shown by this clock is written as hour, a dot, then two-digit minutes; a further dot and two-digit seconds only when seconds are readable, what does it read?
4.35
